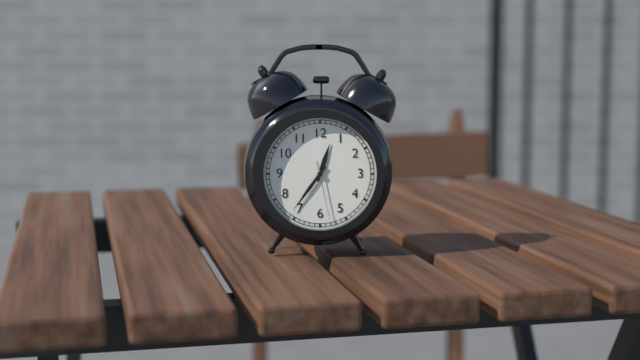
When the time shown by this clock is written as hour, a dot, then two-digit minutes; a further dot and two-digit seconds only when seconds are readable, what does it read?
12.36.28
